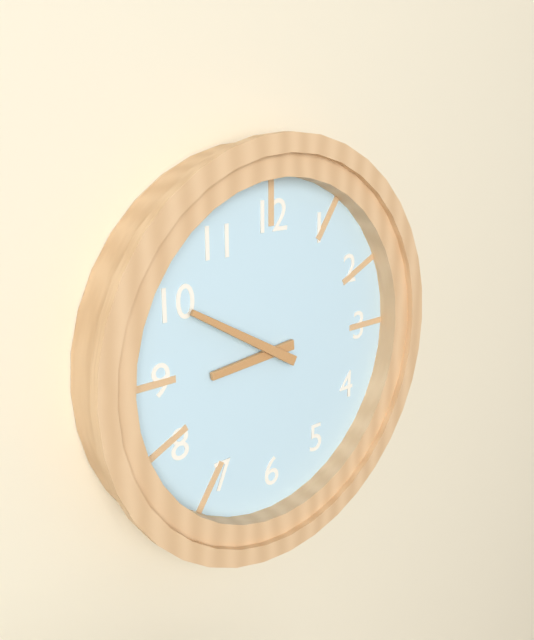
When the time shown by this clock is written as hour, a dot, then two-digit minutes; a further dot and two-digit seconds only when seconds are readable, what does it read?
8.50
